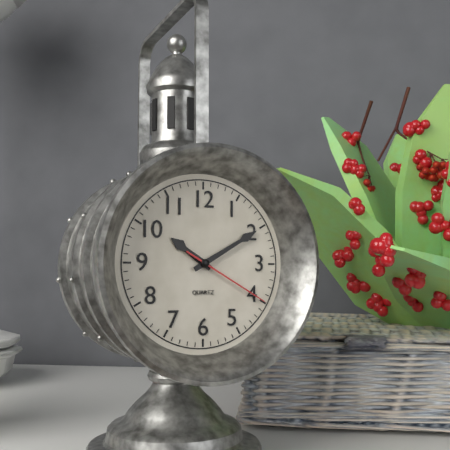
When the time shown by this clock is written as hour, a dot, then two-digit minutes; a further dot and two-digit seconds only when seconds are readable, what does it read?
10.10.20
